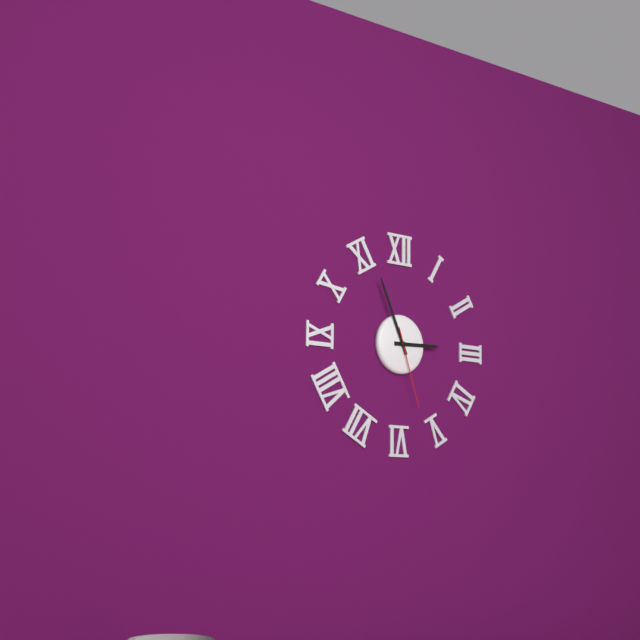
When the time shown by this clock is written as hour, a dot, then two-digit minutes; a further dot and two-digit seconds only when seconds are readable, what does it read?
2.56.27
